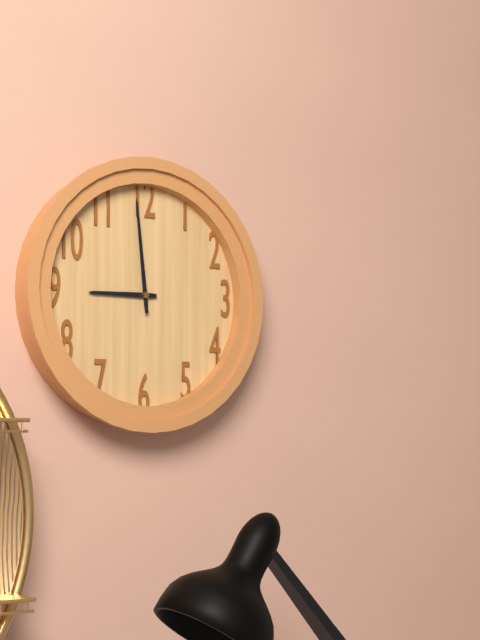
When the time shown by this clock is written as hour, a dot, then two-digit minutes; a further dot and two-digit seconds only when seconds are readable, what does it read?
8.59
